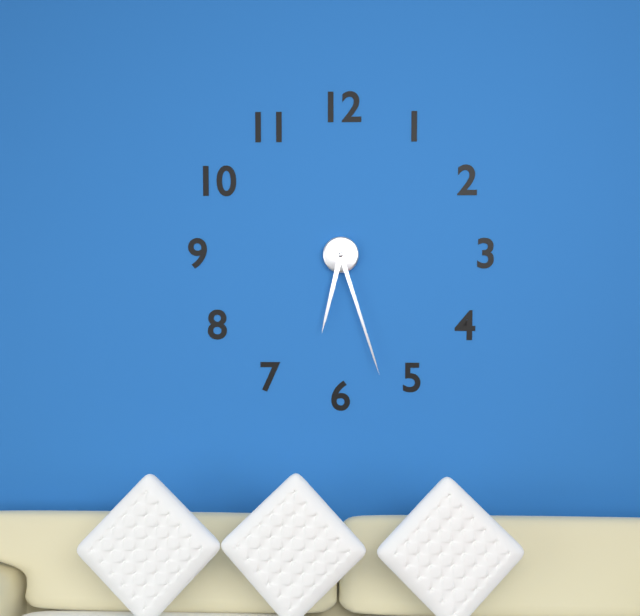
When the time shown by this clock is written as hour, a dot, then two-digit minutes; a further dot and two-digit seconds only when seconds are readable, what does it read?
6.27
